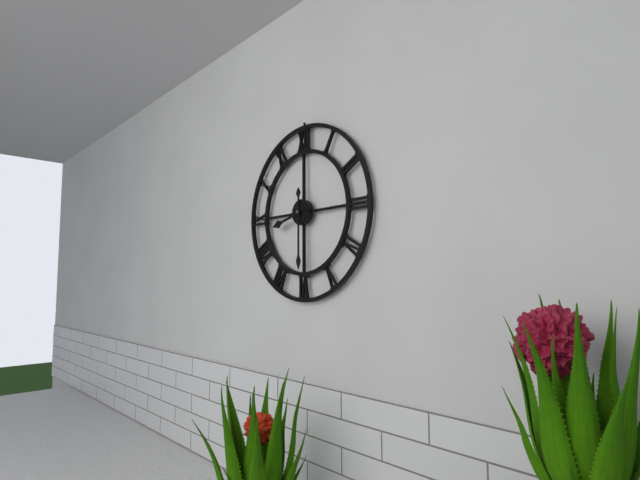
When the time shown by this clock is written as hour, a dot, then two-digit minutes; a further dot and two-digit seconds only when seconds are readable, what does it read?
8.30
